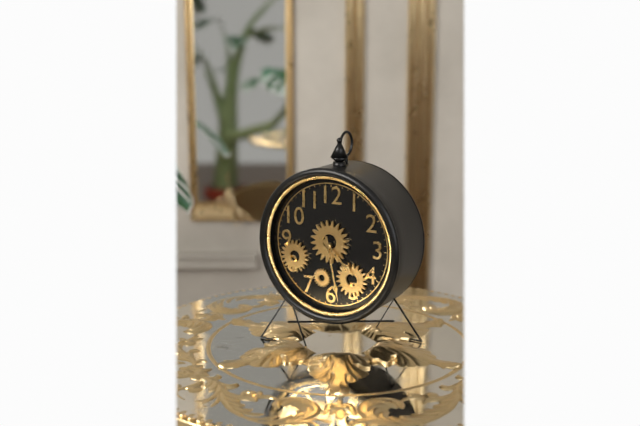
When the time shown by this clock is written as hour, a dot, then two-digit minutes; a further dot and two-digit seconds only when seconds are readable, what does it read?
4.28
